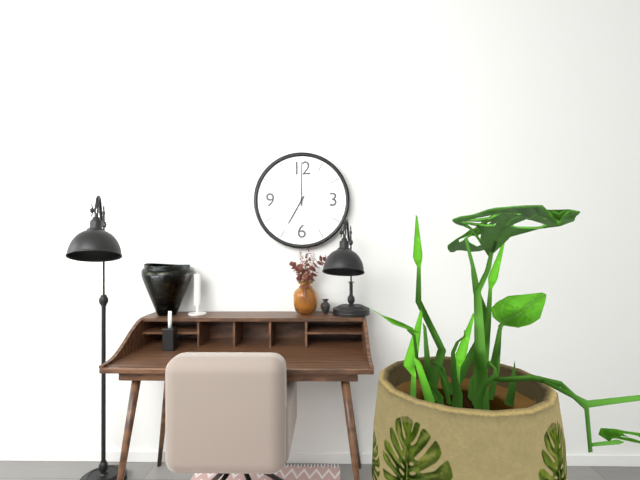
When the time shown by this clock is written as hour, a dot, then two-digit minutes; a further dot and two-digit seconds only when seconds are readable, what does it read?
7.00
